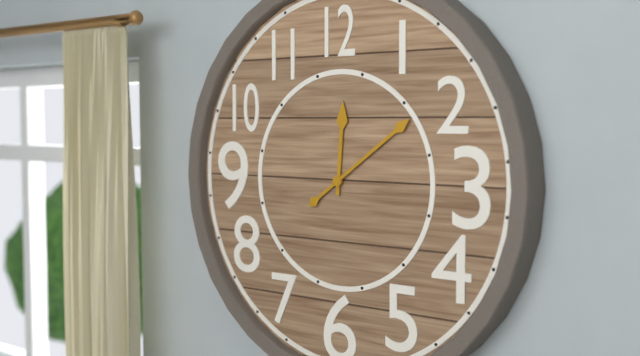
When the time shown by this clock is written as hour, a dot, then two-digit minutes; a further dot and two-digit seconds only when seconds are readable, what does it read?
12.09
